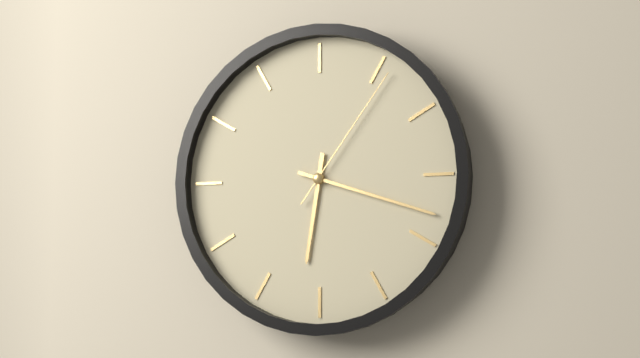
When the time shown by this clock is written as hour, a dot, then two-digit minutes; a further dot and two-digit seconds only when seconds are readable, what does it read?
6.18.06
